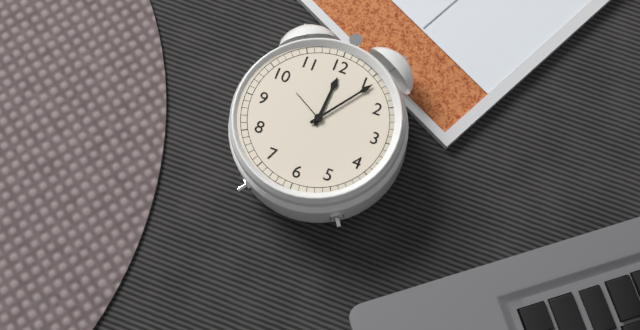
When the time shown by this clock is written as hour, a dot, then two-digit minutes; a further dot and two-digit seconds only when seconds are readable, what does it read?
12.06
